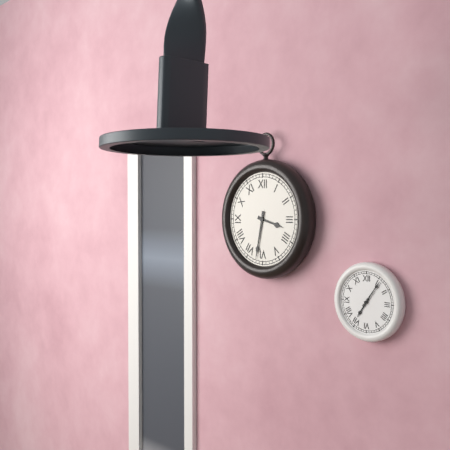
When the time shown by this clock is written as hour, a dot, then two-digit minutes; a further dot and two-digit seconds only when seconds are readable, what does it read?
3.32
